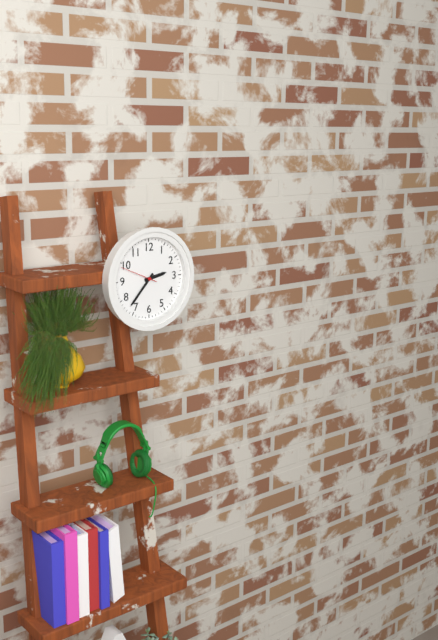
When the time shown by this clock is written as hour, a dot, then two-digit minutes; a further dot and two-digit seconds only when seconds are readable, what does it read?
2.37
